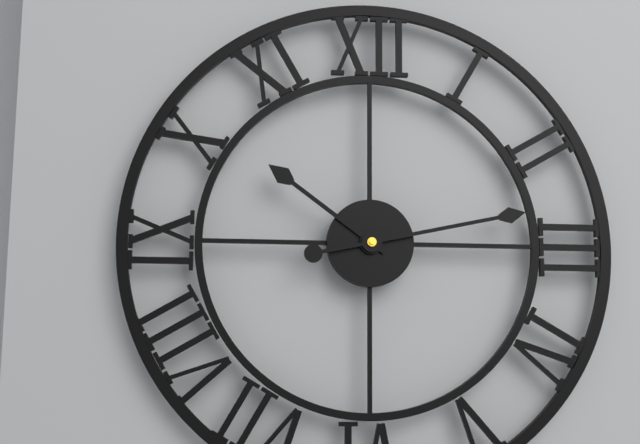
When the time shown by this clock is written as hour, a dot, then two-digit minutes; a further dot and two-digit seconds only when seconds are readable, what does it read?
10.13
